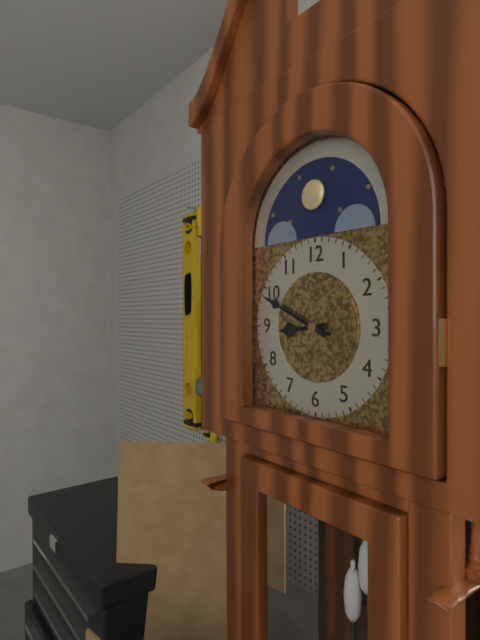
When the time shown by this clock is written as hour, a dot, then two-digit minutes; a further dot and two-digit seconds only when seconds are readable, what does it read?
8.49
